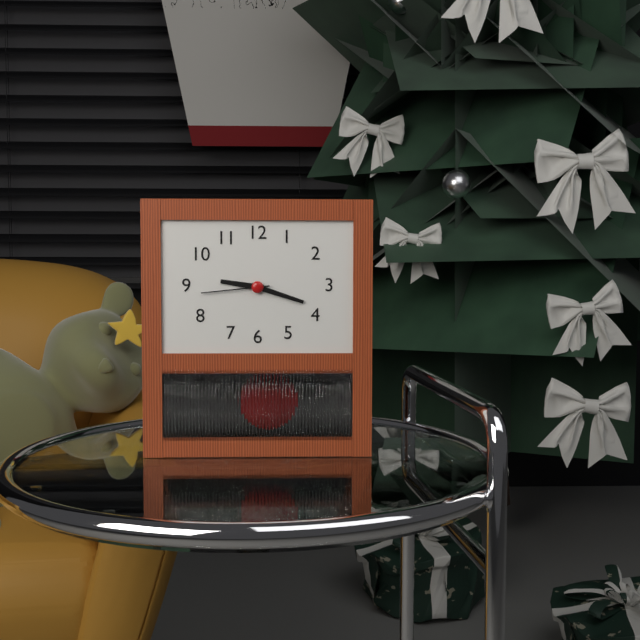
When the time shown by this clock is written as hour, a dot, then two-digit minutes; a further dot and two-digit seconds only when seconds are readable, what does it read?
9.18.44
